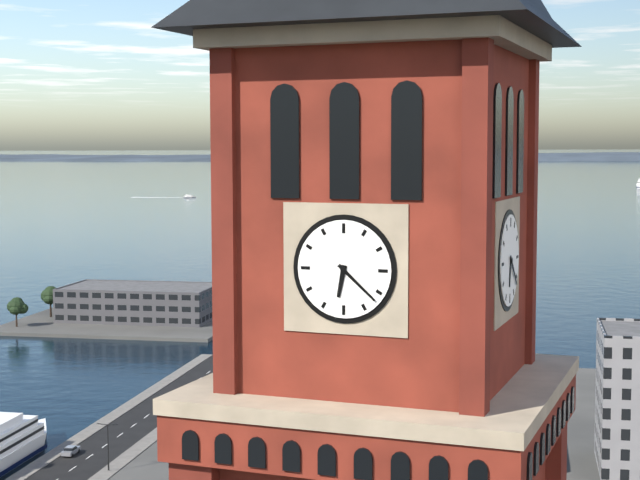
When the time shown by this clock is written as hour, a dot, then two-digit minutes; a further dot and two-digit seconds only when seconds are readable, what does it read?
6.22
